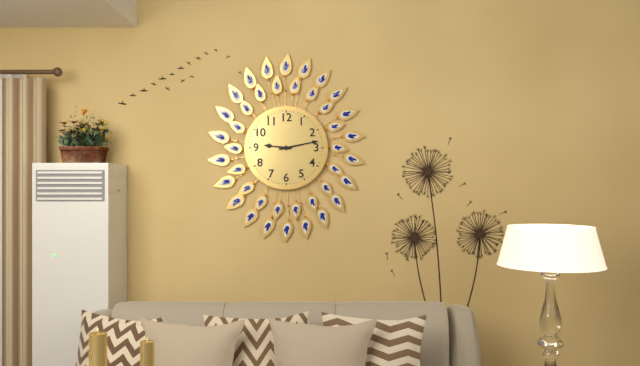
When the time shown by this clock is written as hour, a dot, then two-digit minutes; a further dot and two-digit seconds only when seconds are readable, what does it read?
9.13
